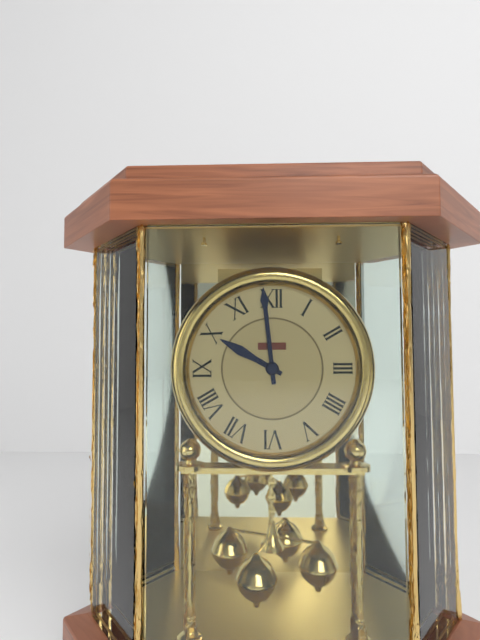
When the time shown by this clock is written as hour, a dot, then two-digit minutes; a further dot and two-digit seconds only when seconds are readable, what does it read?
9.59
